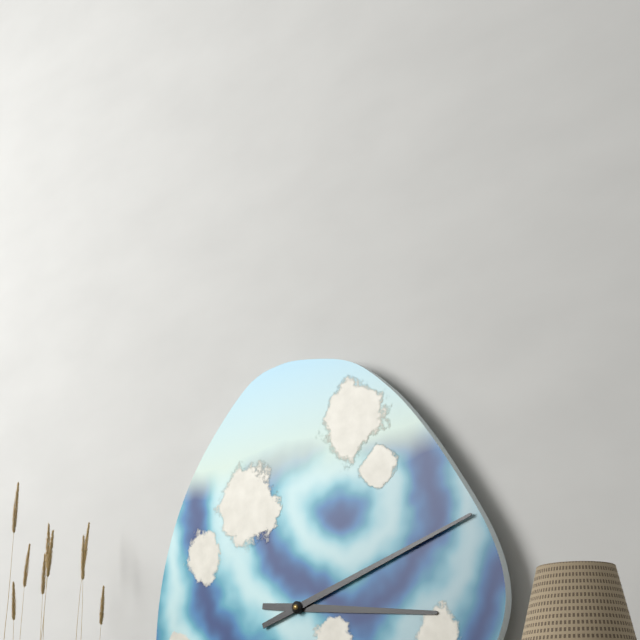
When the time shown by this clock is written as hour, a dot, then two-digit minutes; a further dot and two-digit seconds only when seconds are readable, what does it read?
3.12
